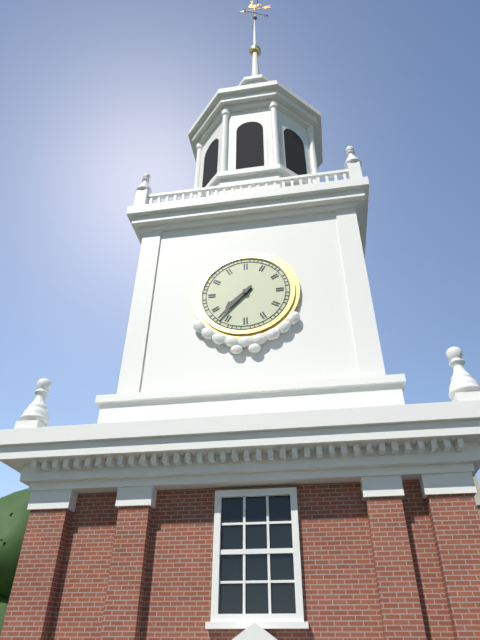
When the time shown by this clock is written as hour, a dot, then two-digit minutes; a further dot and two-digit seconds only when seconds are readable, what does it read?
7.37
